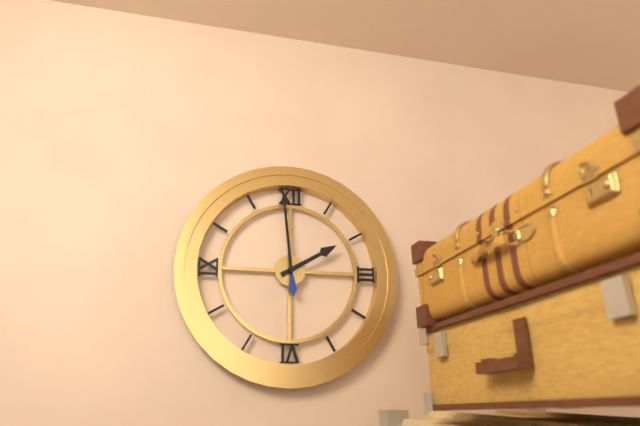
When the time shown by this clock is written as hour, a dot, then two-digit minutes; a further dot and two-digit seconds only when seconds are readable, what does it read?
1.59
